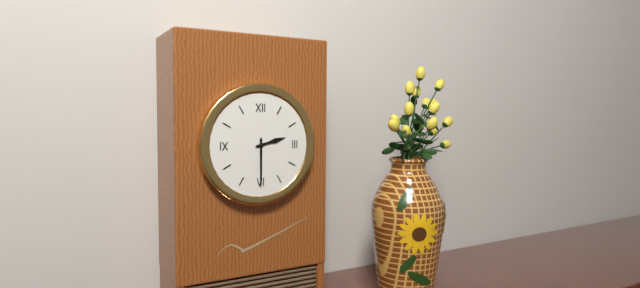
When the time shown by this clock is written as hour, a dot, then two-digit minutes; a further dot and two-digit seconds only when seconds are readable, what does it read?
2.30
